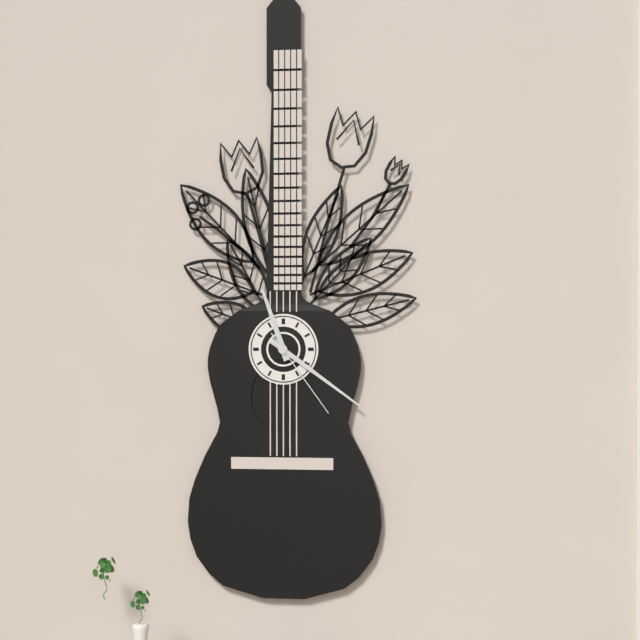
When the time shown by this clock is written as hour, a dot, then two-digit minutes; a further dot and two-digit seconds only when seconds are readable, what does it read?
11.21.24
